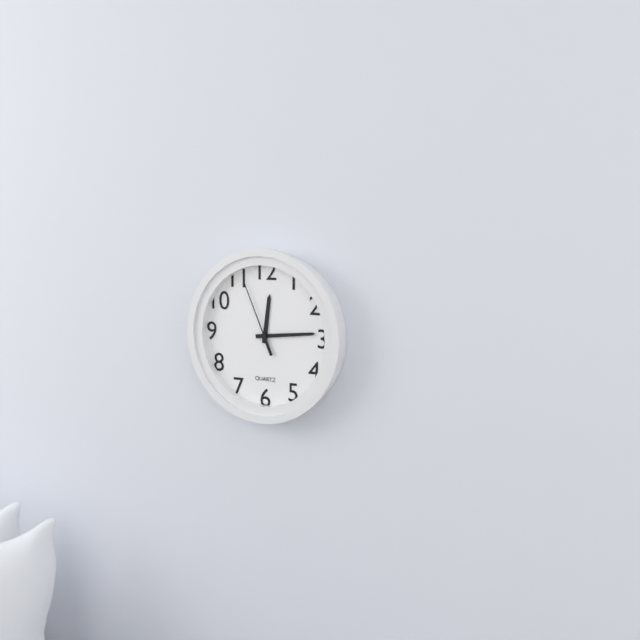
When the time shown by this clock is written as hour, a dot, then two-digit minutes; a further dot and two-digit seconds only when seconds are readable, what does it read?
12.14.56
